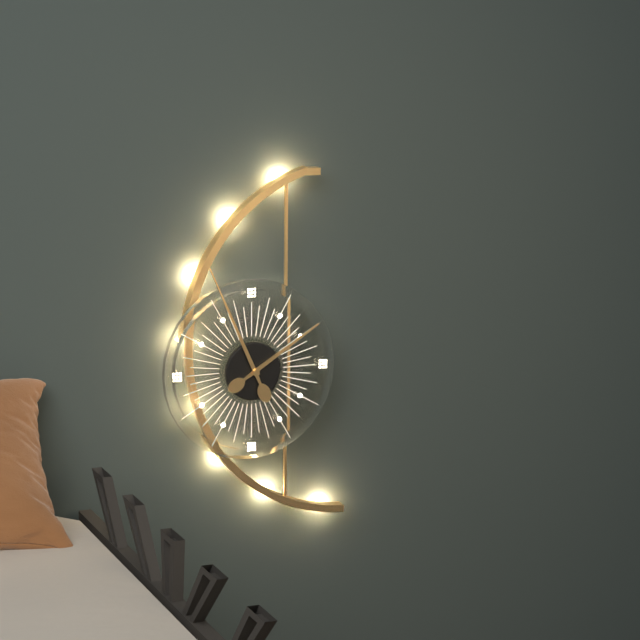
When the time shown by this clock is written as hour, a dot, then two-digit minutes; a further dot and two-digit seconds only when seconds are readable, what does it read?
1.56
